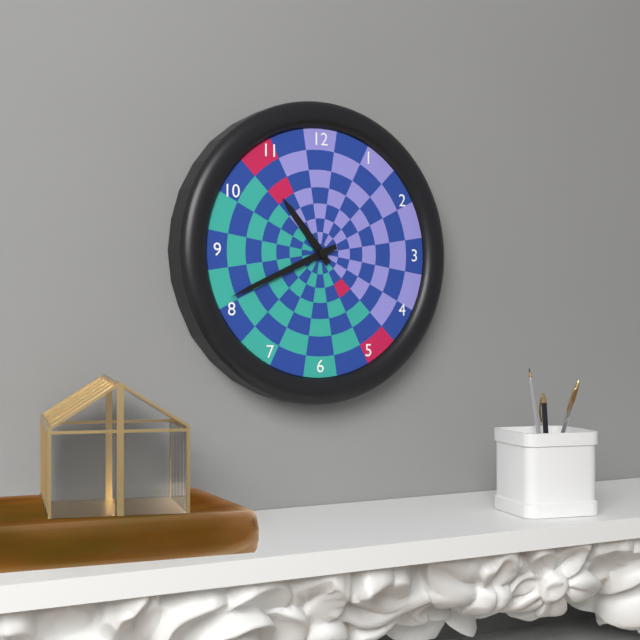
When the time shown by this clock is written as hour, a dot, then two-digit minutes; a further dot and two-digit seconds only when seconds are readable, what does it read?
10.41
